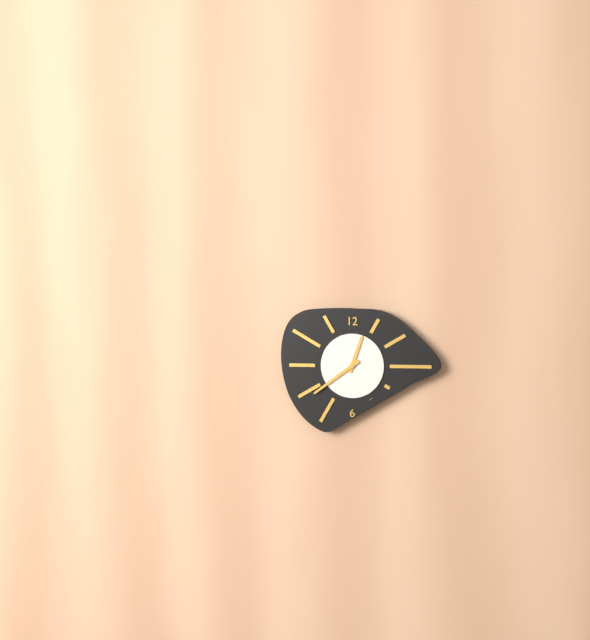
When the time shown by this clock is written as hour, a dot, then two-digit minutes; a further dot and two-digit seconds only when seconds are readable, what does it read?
12.39
